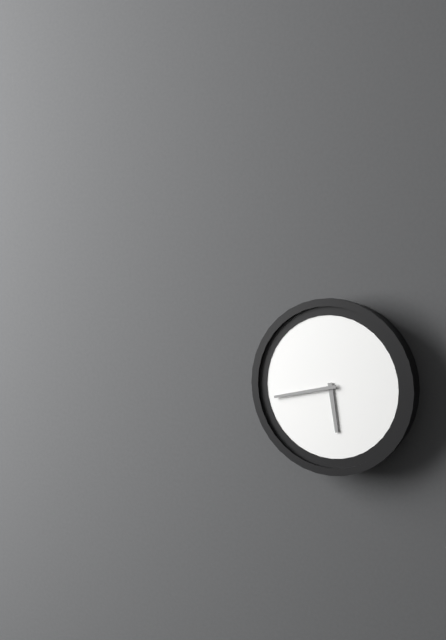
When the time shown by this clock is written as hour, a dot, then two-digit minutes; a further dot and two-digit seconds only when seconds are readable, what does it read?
5.43
